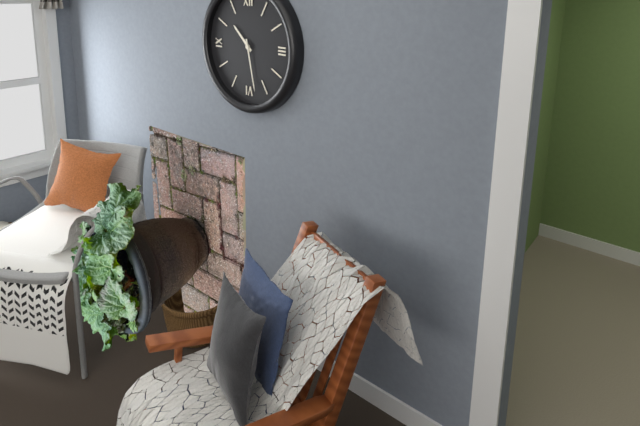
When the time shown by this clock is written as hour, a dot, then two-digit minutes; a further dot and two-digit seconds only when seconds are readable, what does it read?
10.28
